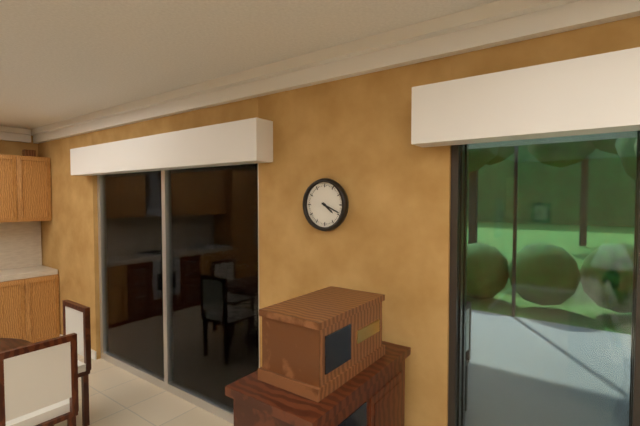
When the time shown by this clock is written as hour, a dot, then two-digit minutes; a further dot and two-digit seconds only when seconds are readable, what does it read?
4.19
